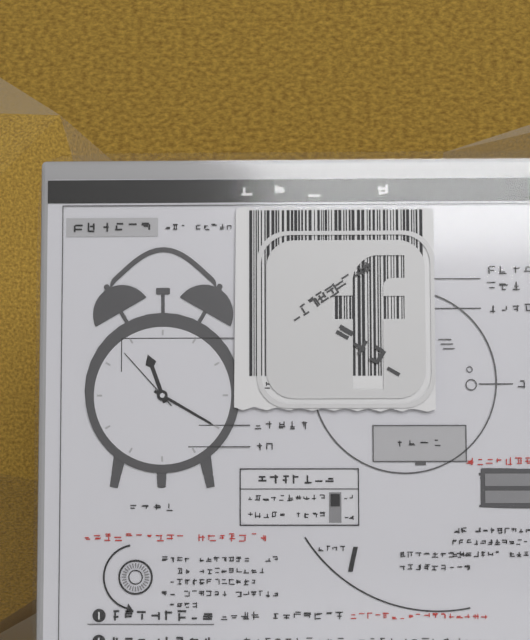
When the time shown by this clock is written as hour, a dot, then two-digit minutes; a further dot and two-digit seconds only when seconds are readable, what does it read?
11.20.53
